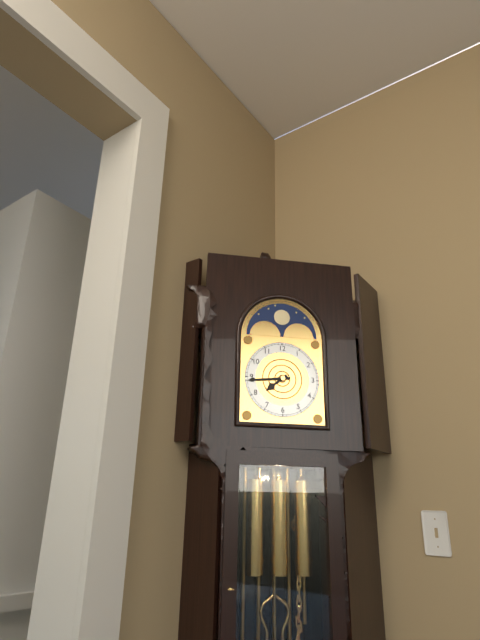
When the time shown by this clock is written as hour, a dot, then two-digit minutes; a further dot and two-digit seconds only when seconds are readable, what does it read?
7.44
